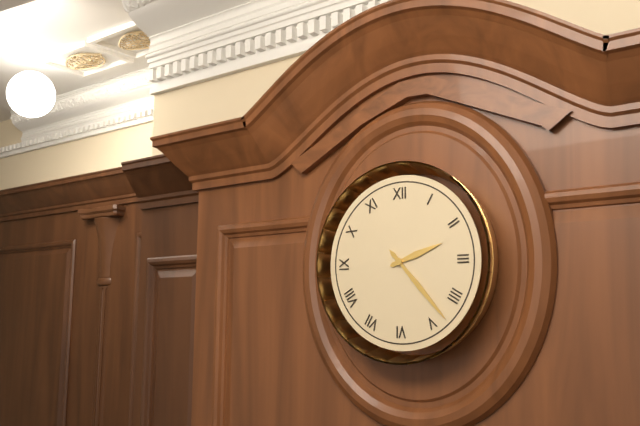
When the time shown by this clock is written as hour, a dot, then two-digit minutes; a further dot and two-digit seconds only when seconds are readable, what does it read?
2.23
